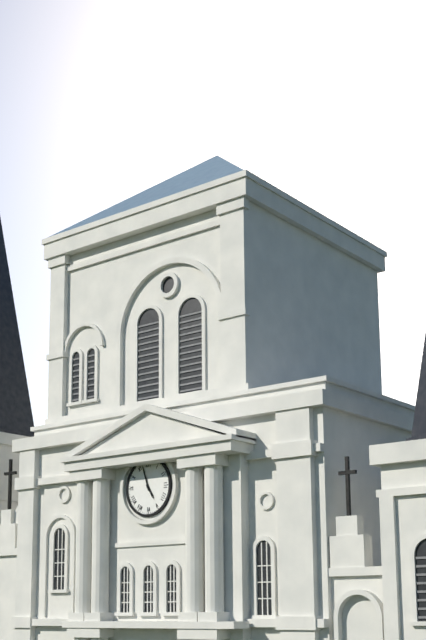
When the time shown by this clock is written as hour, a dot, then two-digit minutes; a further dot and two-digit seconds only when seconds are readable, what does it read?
4.57
